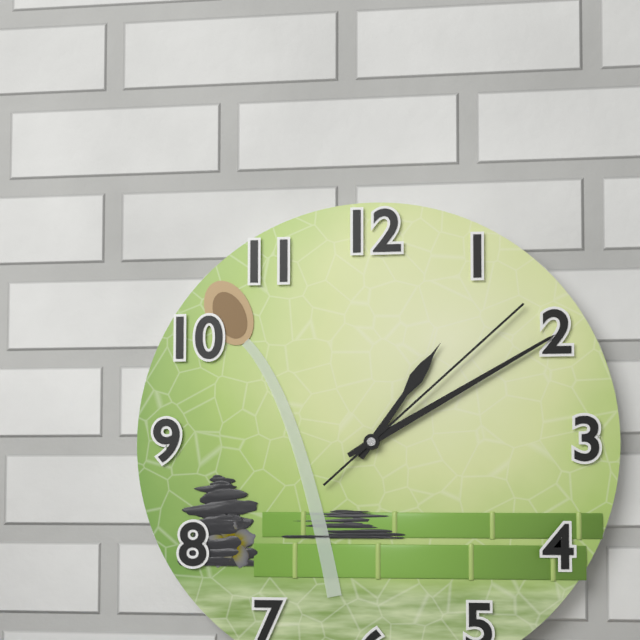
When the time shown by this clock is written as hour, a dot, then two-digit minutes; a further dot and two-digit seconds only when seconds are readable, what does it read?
1.10.08
